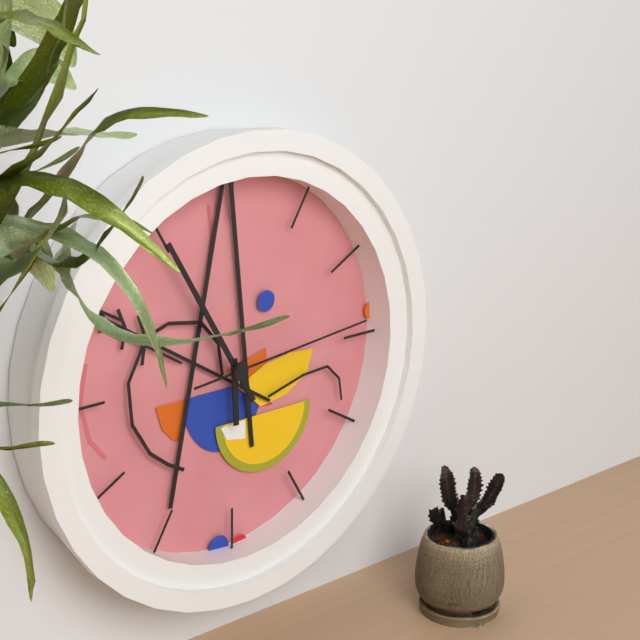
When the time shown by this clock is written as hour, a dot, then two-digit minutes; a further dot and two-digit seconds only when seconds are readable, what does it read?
5.55.14
